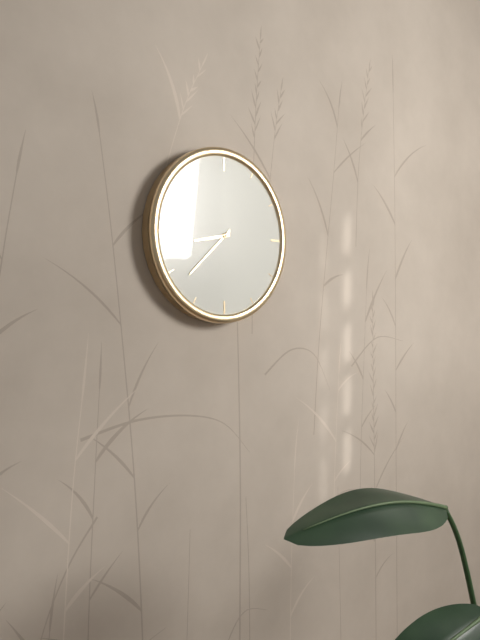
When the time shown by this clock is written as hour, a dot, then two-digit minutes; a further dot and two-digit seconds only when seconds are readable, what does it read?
8.38
